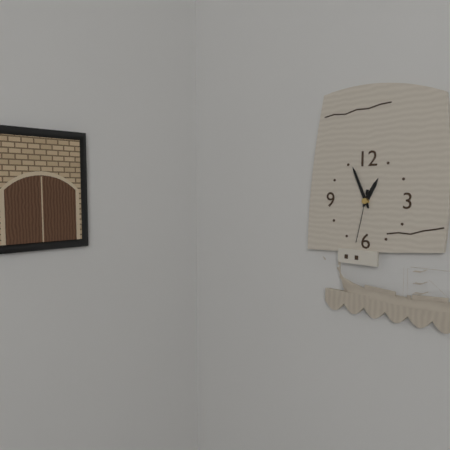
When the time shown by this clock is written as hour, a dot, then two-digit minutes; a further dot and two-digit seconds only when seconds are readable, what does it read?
12.56.32
